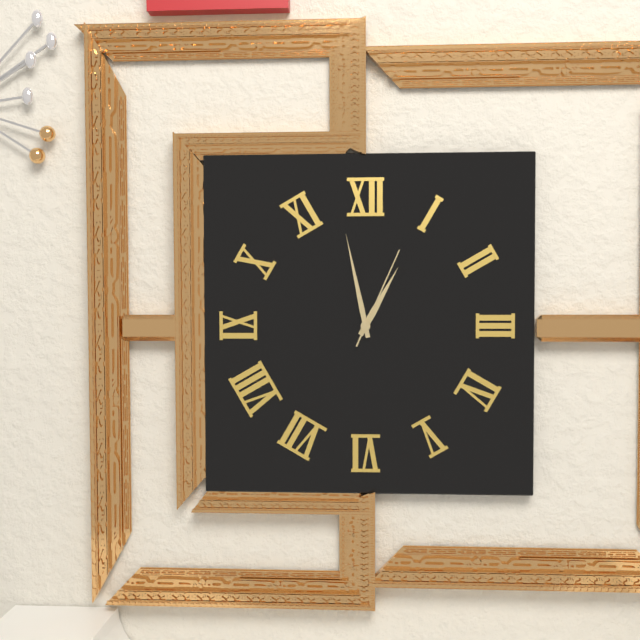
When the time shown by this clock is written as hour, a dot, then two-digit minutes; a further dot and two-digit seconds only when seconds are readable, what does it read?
12.58.04
